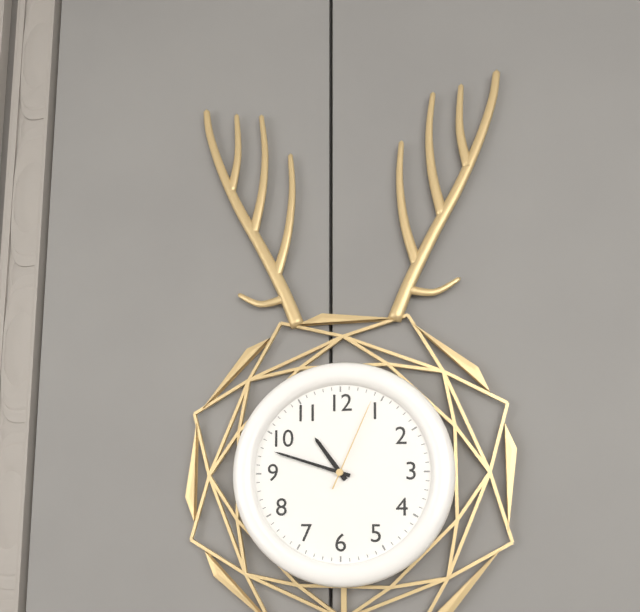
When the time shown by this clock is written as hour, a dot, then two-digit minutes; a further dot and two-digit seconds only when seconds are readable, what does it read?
10.48.04
